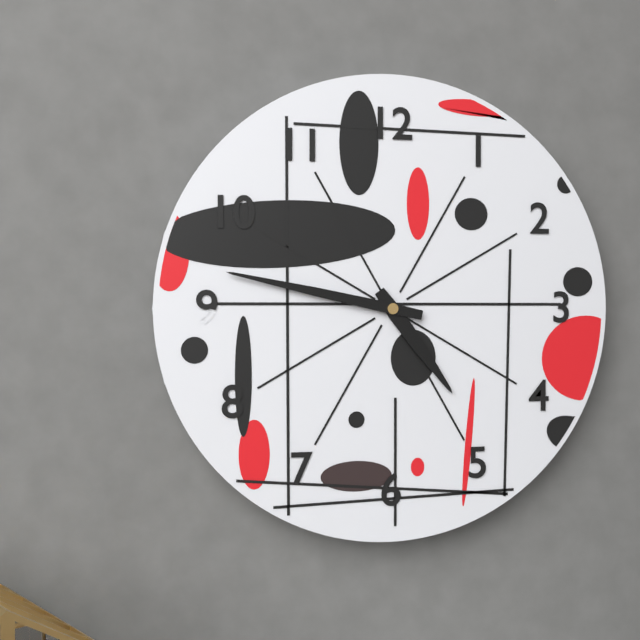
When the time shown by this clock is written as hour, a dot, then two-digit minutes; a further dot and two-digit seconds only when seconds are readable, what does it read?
4.47
